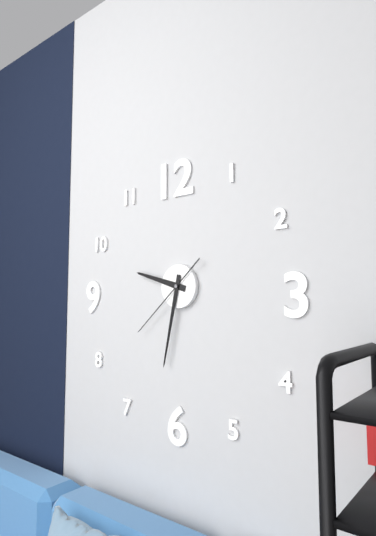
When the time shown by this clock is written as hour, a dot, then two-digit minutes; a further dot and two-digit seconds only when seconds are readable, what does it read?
9.32.38
